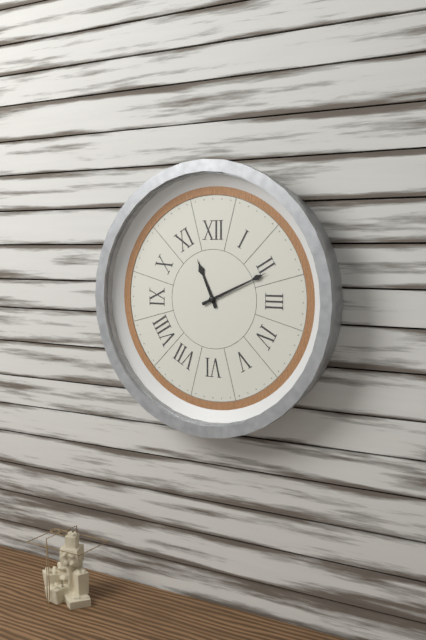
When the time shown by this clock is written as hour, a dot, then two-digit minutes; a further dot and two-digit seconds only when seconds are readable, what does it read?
11.11
